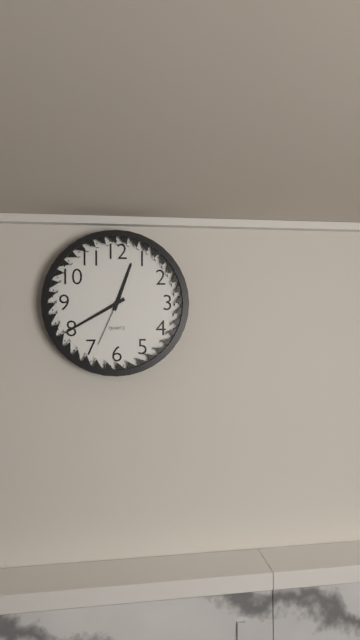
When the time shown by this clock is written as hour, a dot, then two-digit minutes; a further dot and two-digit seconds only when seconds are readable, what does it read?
12.40.34
